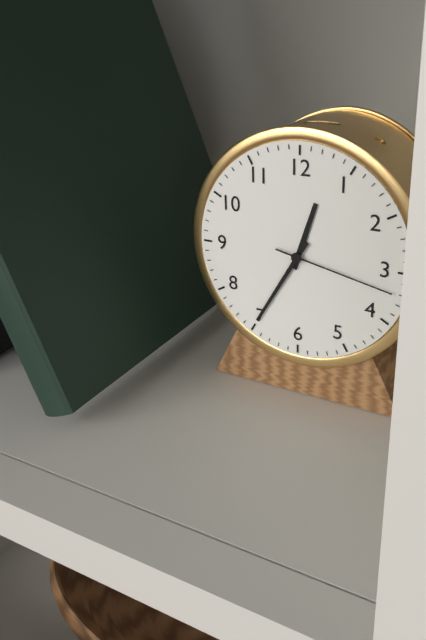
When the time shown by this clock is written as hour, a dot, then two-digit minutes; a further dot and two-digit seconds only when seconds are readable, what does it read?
12.35.17
